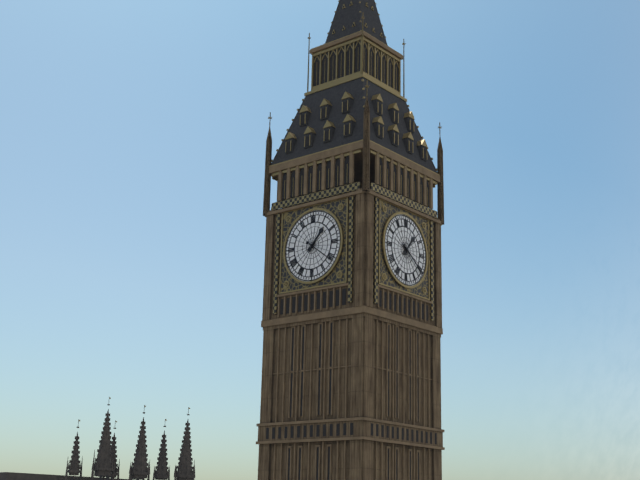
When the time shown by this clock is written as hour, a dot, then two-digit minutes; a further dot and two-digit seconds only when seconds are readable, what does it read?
1.21
